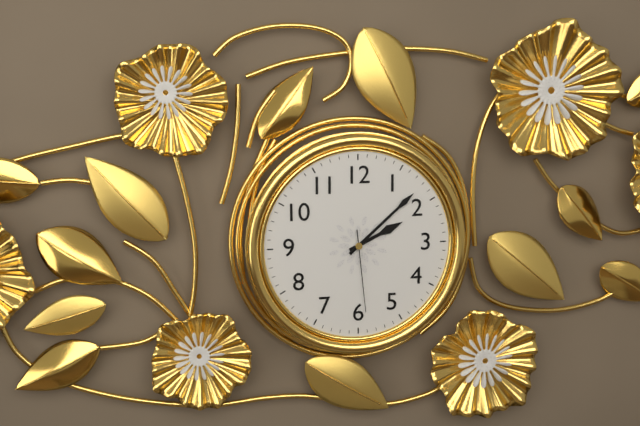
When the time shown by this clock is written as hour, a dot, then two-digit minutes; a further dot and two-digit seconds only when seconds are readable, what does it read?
2.08.29
